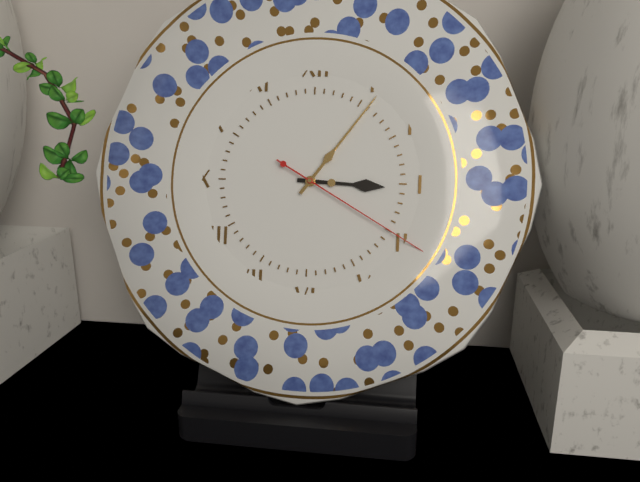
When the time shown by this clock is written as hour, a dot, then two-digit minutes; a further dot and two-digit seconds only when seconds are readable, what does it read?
3.06.20
